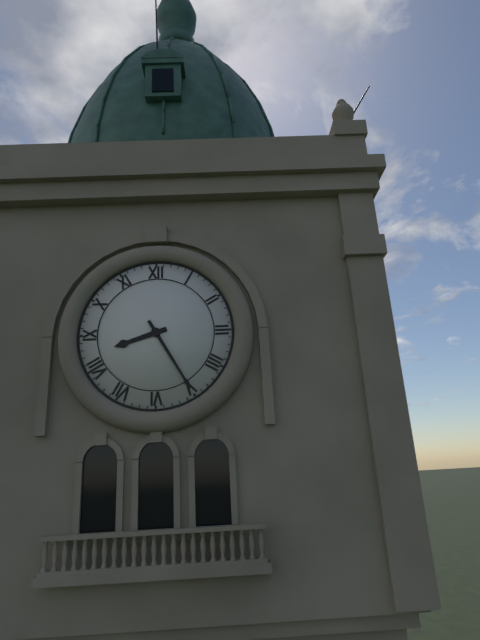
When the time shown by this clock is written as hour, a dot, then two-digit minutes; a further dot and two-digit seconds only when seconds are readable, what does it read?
8.25
